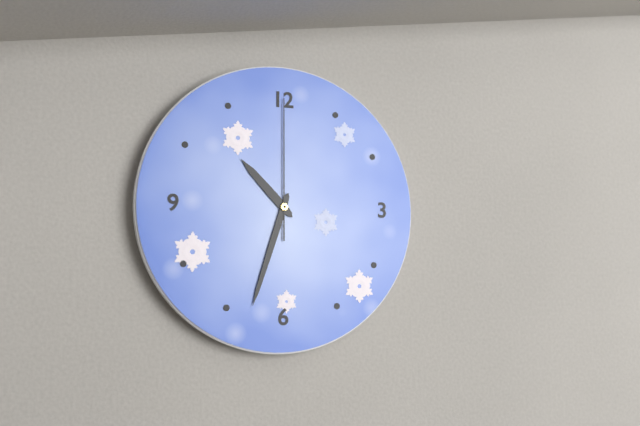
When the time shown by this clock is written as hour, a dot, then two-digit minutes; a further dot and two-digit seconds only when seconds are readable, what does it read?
10.33.00
